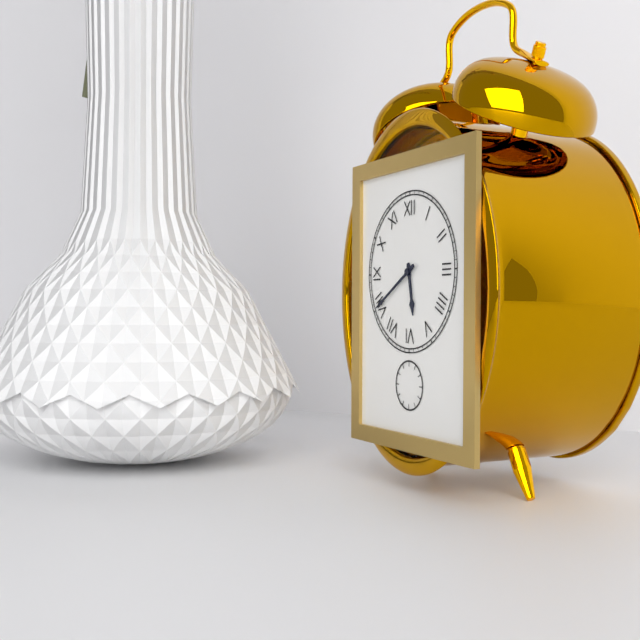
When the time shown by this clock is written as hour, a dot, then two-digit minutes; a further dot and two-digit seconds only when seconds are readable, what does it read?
5.40
